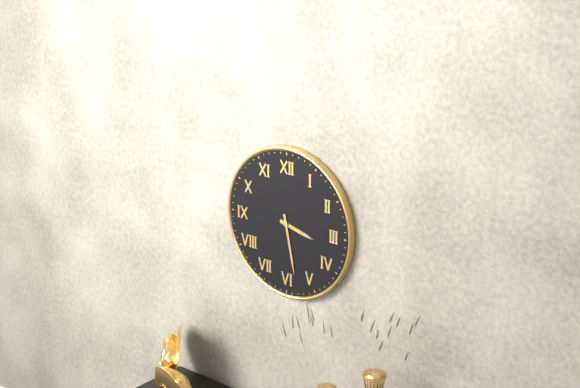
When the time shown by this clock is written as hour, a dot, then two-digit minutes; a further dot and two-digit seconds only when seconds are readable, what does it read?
3.28
